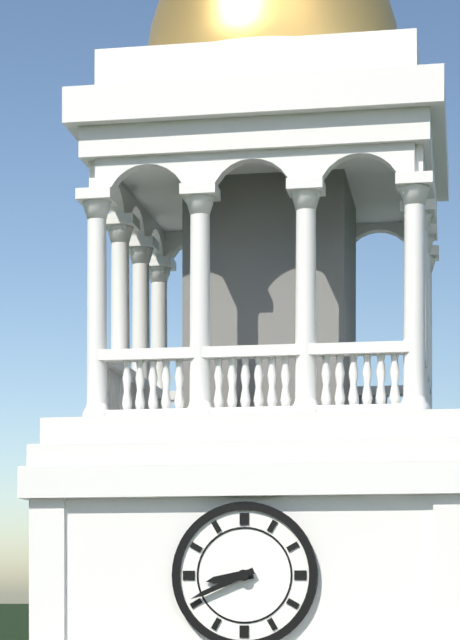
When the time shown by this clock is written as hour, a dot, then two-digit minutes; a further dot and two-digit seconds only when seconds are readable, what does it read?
8.41
